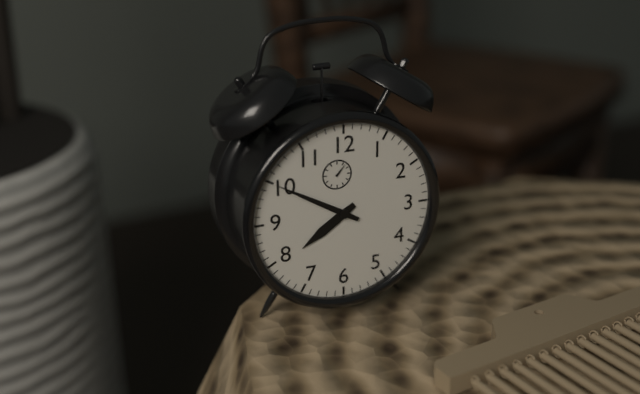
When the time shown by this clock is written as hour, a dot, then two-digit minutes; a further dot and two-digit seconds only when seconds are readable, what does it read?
7.50
